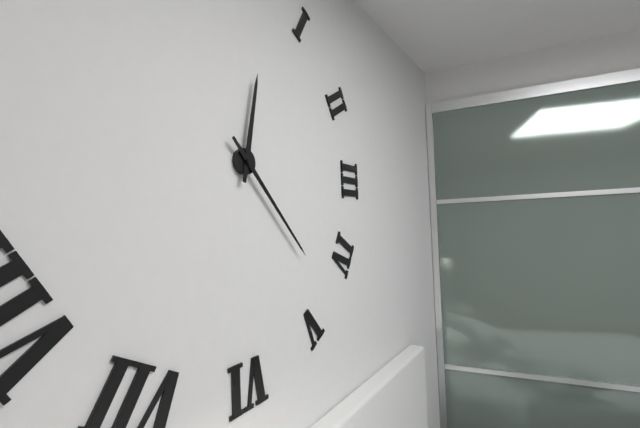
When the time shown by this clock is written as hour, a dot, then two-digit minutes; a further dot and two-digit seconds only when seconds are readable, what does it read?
12.23
